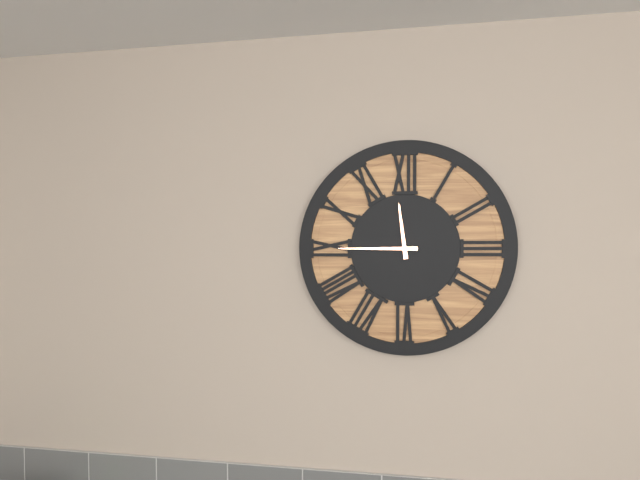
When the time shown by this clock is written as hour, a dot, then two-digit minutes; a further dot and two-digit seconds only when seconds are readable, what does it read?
11.45
